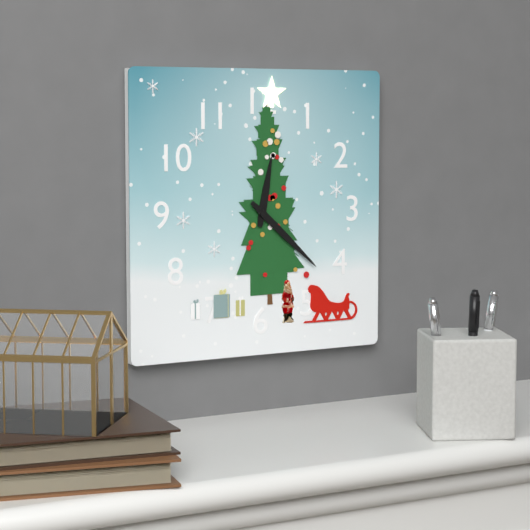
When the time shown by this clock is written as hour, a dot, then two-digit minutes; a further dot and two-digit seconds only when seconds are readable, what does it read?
12.22
